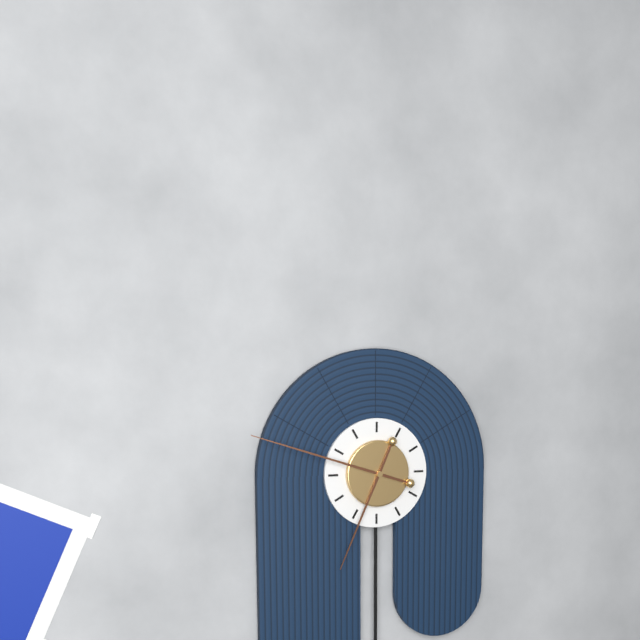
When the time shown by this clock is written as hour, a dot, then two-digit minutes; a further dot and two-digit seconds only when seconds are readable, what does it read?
6.48
